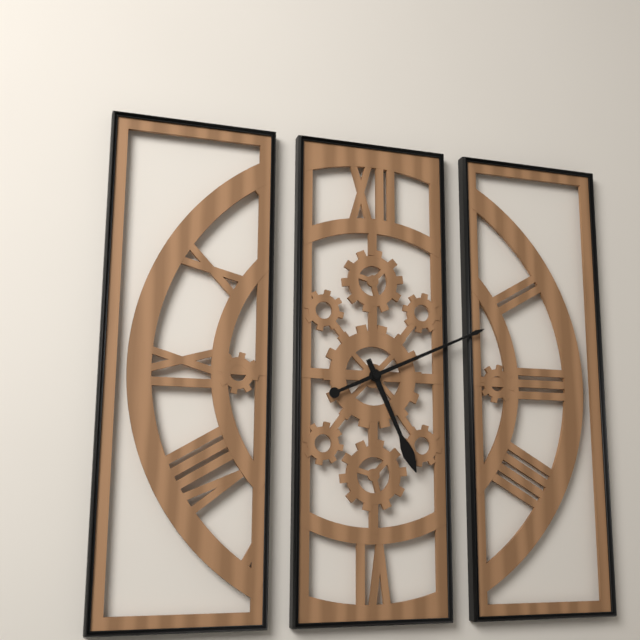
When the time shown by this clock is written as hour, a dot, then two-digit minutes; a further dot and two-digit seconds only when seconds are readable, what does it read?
5.11
